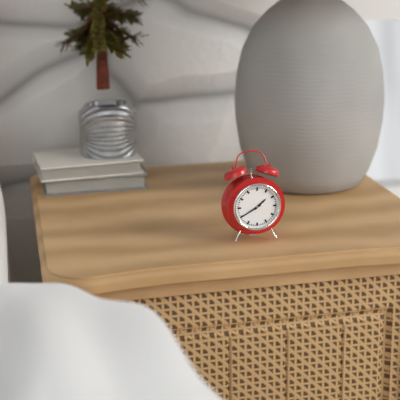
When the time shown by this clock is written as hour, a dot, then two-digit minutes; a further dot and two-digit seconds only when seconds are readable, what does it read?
1.40
